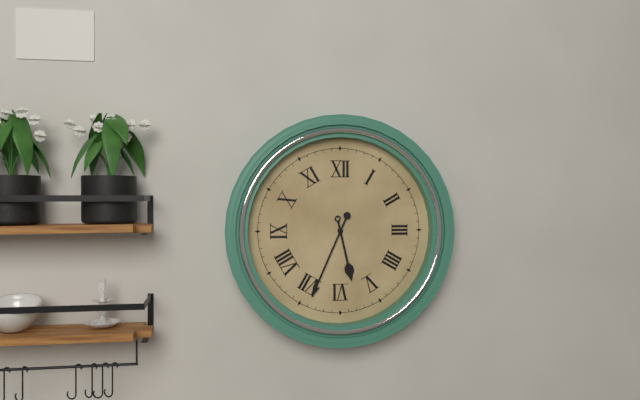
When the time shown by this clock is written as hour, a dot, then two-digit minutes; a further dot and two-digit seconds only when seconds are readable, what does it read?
5.34
